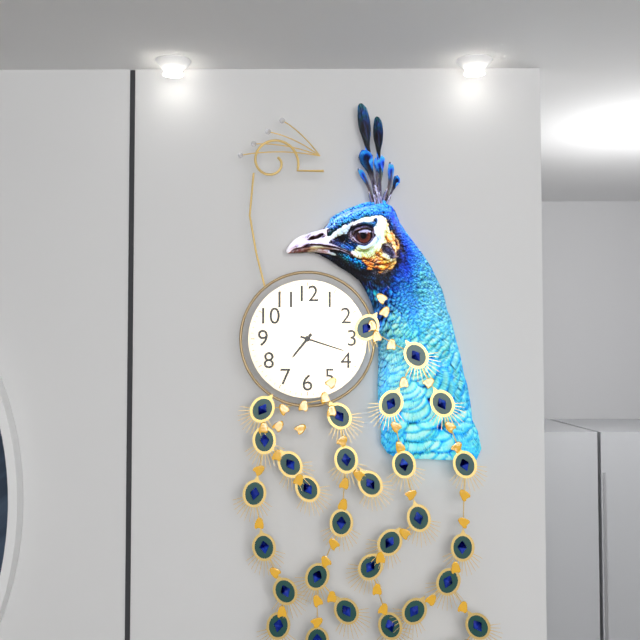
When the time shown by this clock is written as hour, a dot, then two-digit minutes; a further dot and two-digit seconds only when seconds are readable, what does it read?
7.18
